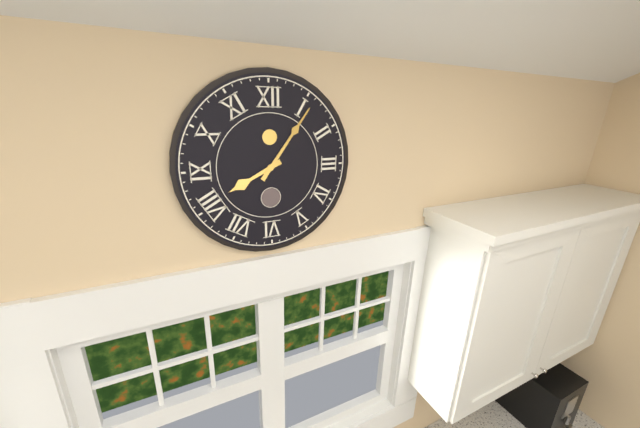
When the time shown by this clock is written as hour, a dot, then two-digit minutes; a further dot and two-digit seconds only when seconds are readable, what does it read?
8.06
